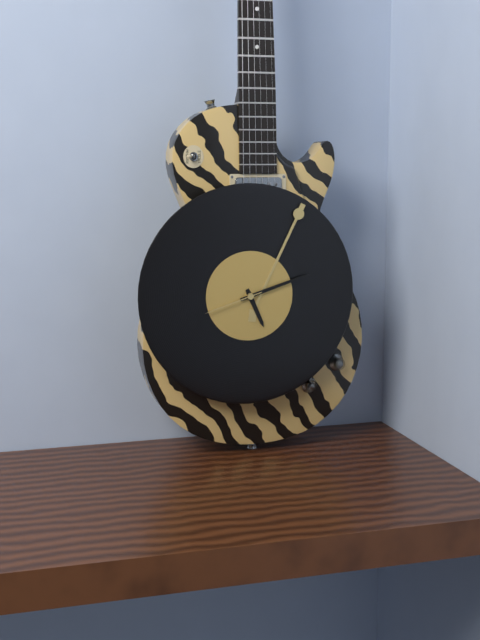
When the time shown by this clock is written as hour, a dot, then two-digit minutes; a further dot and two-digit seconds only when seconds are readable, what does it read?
5.12.42
